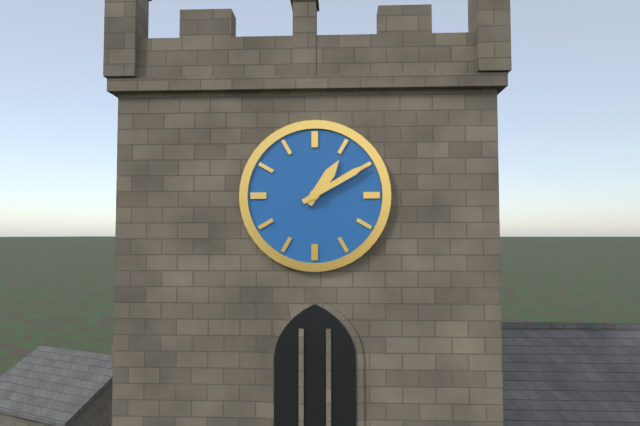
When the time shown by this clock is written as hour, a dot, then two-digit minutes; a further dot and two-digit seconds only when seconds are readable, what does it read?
1.10
